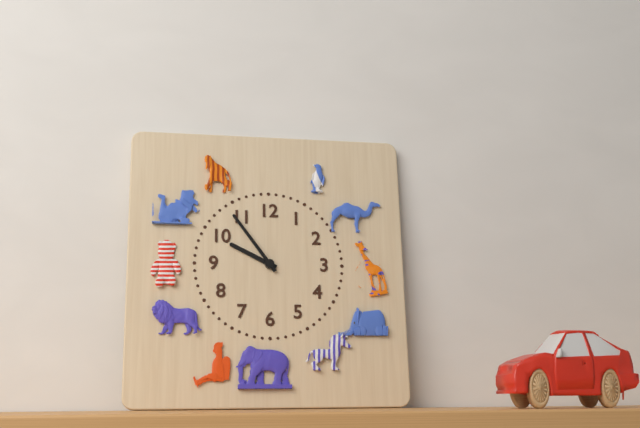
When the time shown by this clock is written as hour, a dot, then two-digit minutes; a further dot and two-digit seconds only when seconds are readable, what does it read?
9.54
